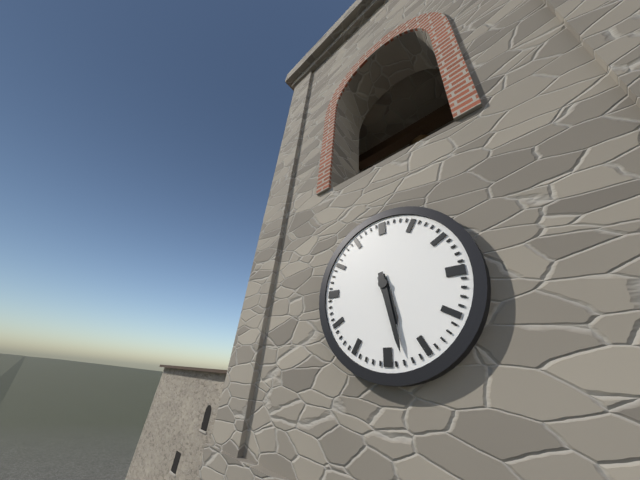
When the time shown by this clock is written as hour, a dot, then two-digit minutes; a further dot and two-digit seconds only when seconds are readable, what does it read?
5.28
